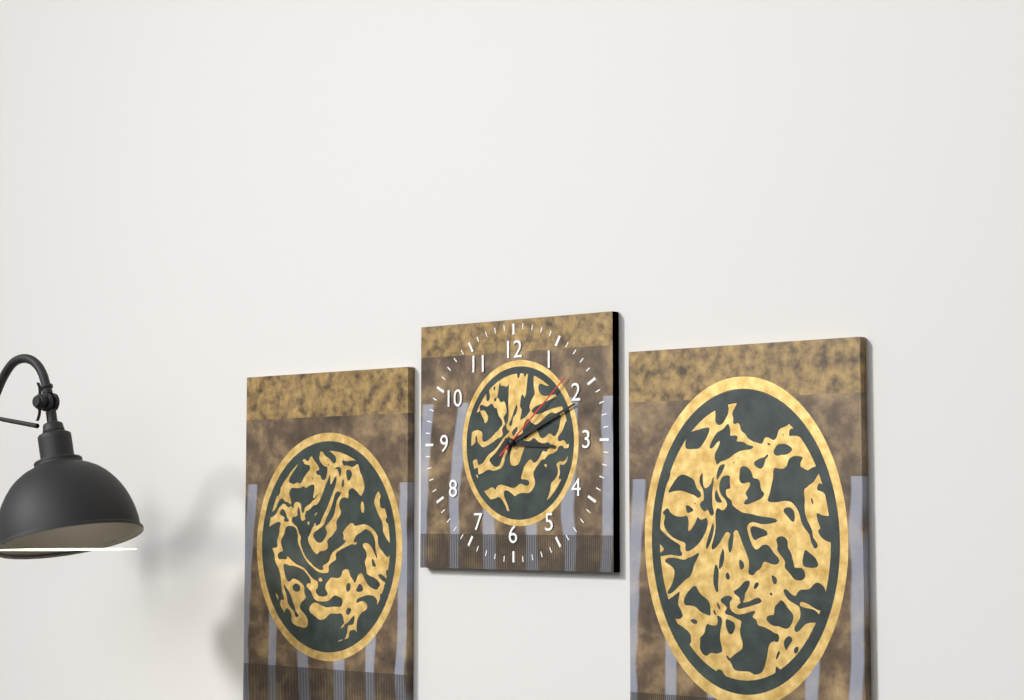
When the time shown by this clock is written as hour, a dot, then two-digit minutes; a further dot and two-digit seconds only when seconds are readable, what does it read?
3.11.08
